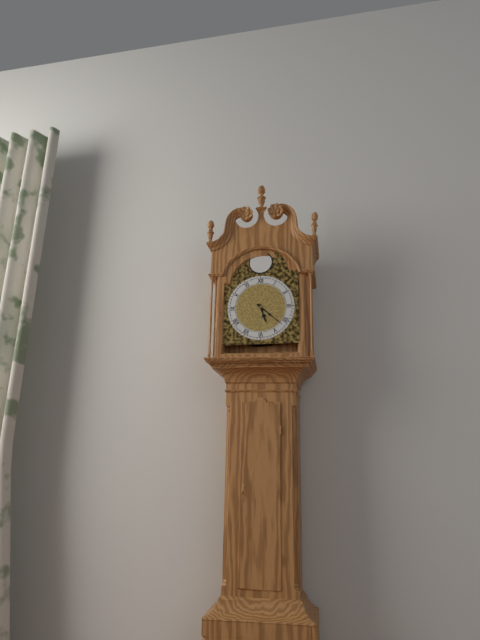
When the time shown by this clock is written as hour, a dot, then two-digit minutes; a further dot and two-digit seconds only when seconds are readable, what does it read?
5.22
